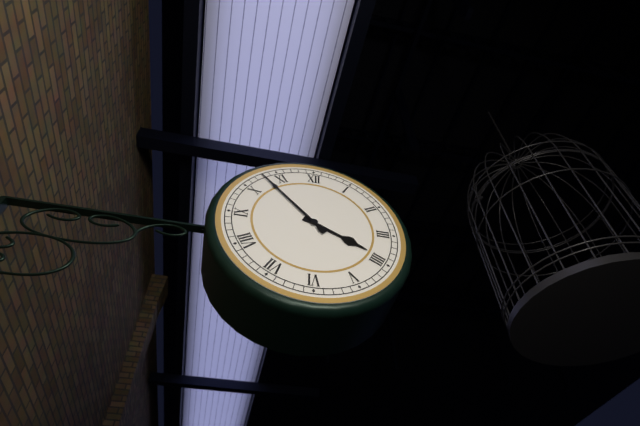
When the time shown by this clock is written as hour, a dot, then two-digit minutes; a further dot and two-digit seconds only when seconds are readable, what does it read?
3.53
